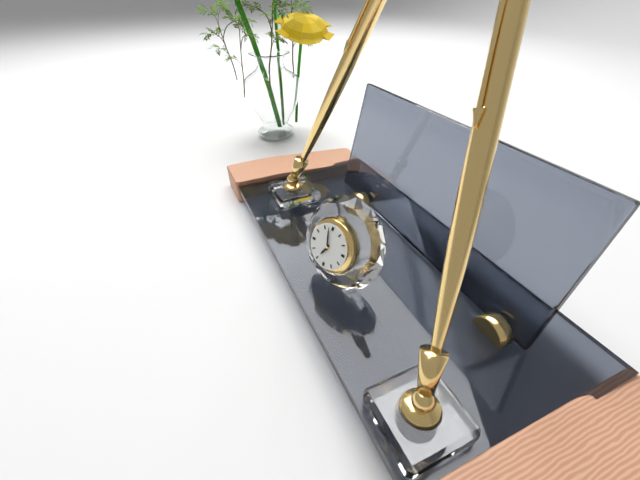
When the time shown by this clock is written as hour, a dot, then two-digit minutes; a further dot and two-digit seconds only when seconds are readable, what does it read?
6.58
